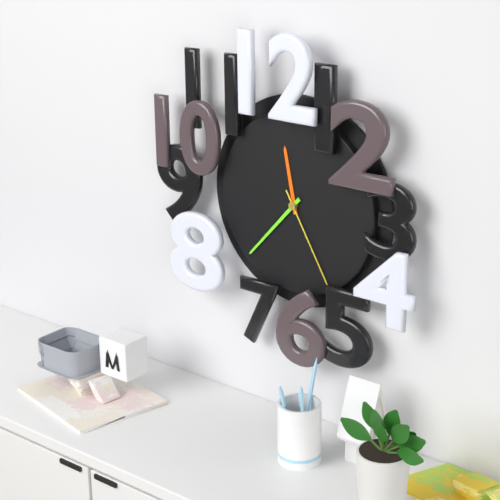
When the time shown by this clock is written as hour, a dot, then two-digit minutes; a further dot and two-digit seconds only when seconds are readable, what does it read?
11.37.25
